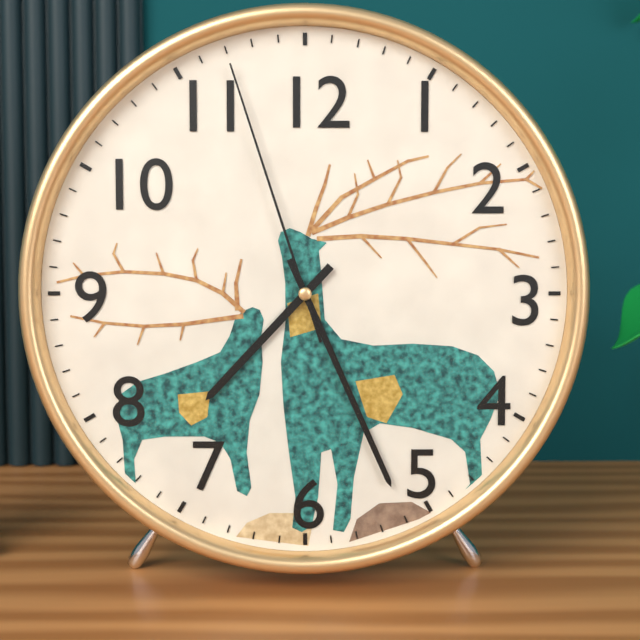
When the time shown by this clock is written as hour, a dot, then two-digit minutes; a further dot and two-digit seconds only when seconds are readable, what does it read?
7.26.57
